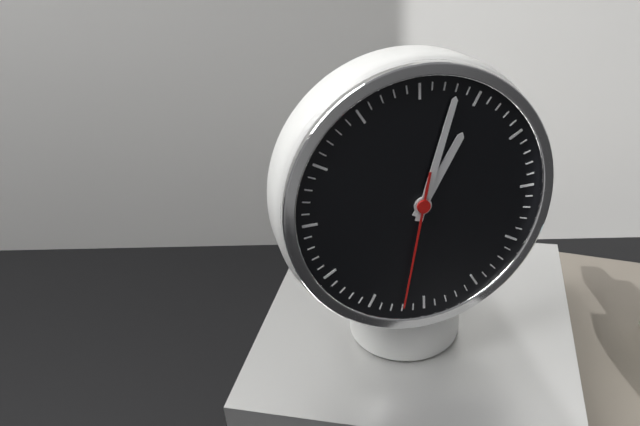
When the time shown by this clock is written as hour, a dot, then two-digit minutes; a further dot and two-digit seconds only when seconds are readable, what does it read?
1.03.32
